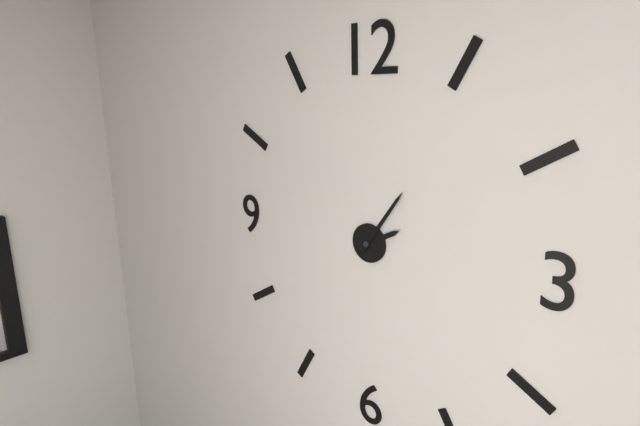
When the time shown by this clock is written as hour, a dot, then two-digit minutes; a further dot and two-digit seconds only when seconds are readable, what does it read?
2.06
